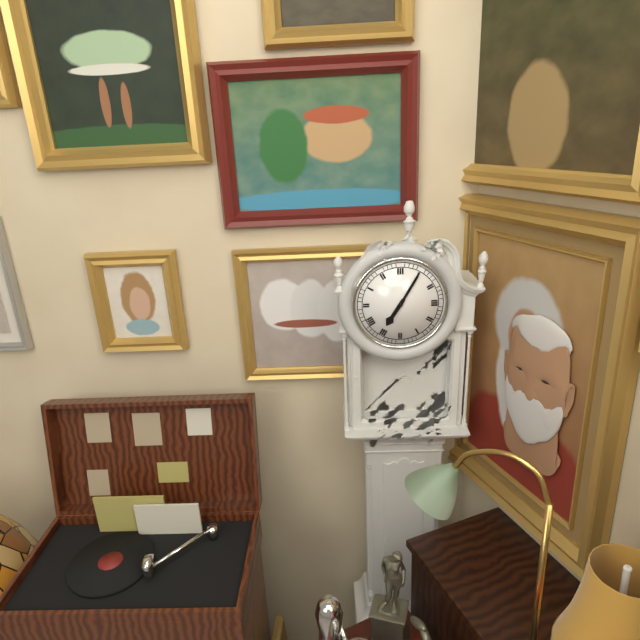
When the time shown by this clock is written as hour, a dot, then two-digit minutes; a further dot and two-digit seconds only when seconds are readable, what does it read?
7.05
